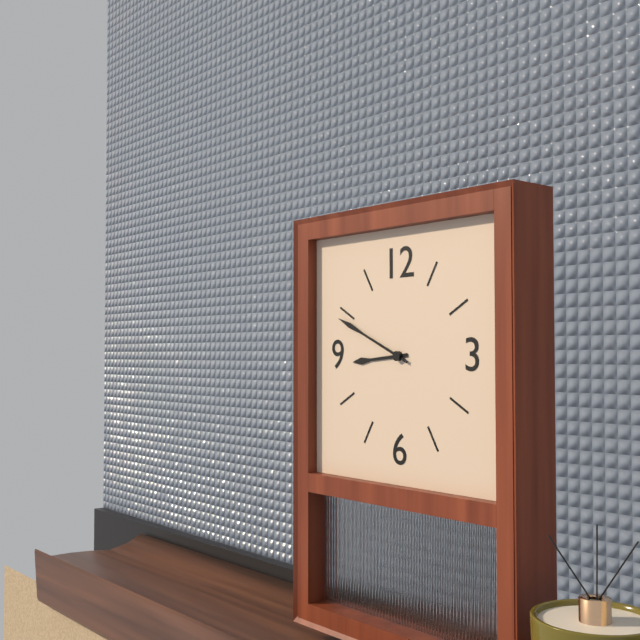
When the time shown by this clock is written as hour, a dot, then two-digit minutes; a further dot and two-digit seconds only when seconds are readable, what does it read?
8.49
